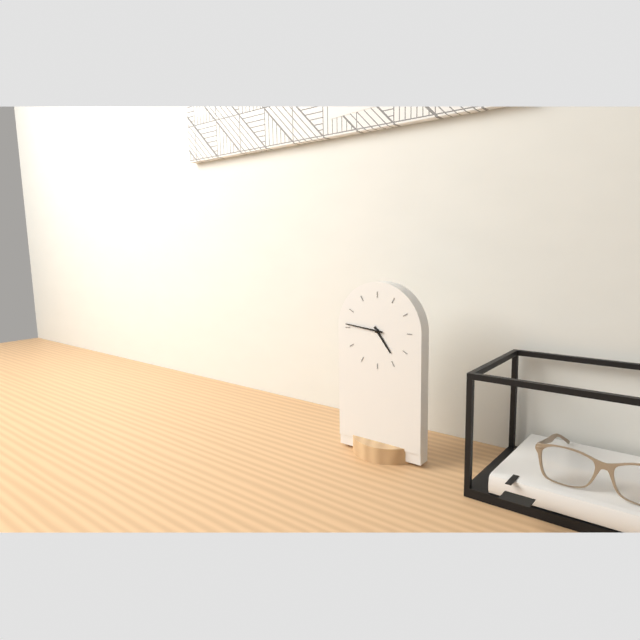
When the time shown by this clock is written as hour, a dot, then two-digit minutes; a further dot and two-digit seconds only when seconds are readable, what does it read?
4.46
